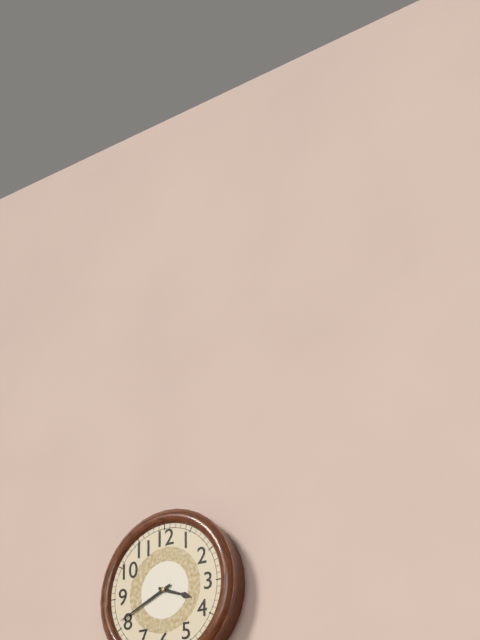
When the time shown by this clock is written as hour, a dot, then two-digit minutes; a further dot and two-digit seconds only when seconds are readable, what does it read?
3.41
